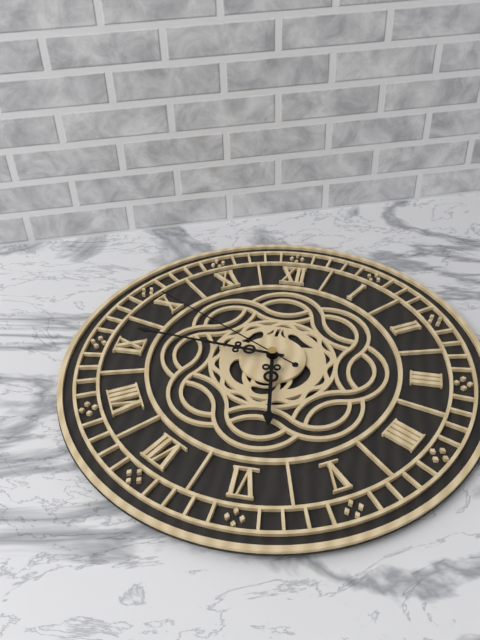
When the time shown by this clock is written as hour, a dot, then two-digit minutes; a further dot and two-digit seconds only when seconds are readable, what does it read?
5.46.50
